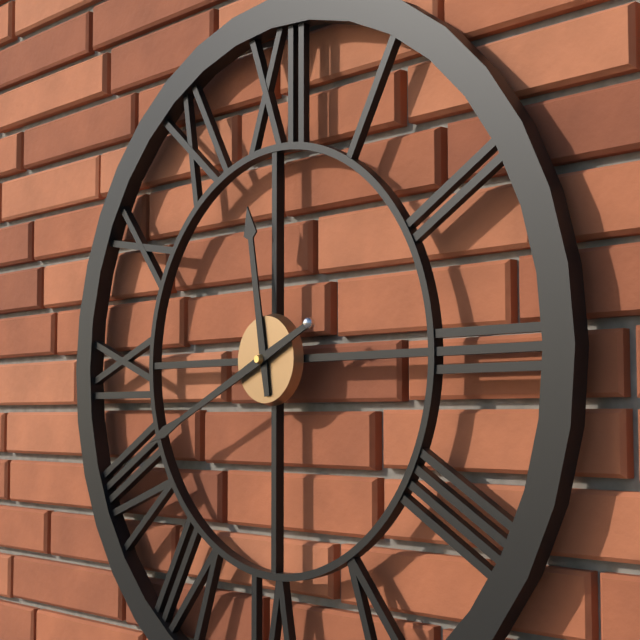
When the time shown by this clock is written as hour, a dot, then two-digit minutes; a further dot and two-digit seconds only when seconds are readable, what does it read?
11.41
